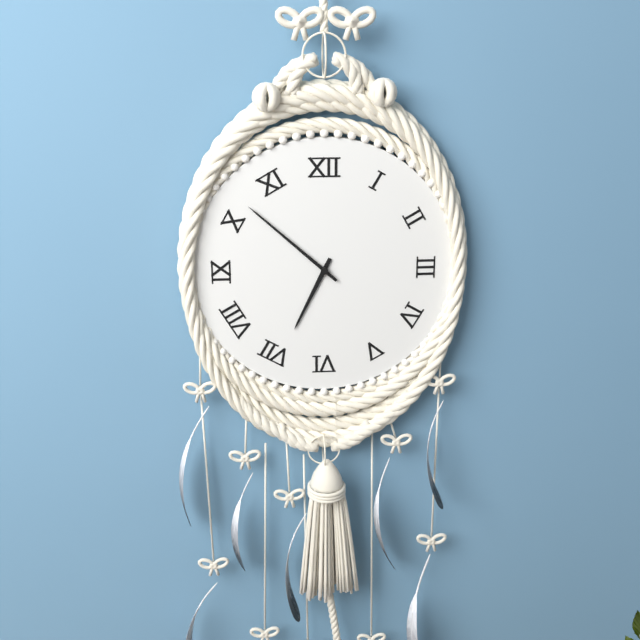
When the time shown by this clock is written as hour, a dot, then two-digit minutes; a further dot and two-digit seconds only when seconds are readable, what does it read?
6.52
